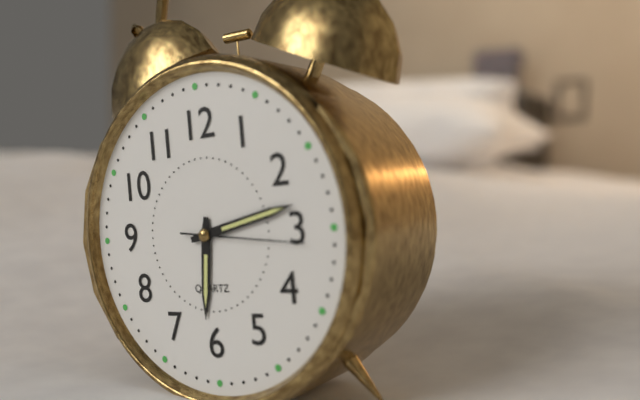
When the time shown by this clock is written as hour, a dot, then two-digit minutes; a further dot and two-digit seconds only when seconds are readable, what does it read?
6.13.16
